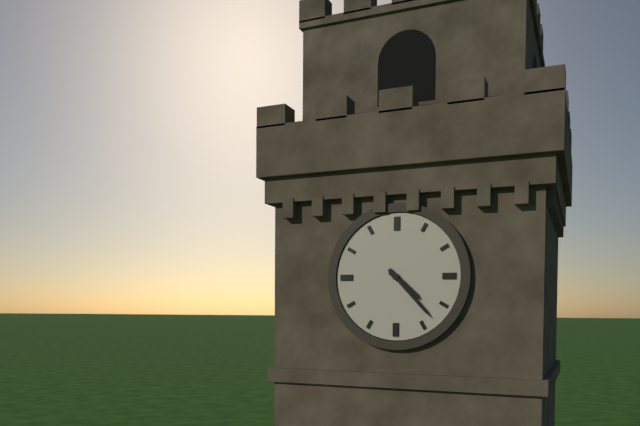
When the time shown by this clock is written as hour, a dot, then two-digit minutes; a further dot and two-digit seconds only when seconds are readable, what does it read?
4.23
